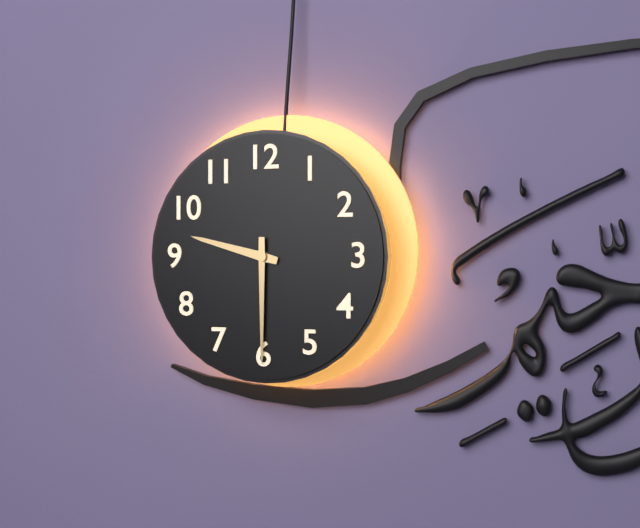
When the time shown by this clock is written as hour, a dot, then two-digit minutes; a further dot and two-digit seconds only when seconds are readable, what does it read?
9.30
